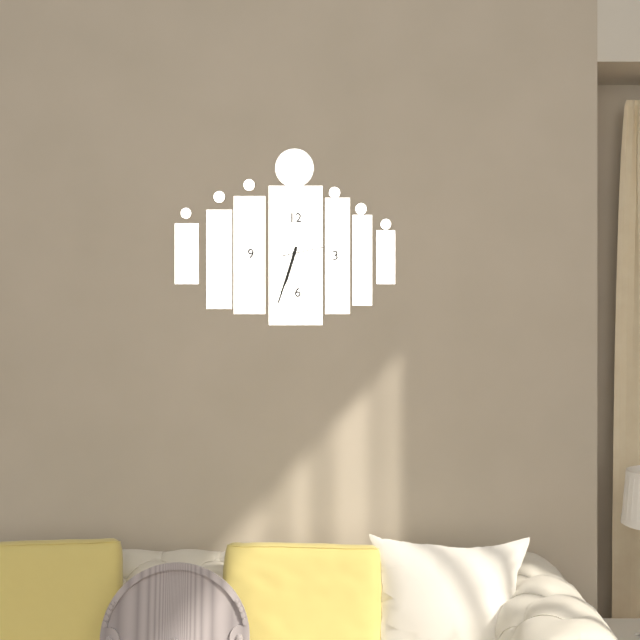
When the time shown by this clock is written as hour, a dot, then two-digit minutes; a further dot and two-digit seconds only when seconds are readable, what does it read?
6.33.13
